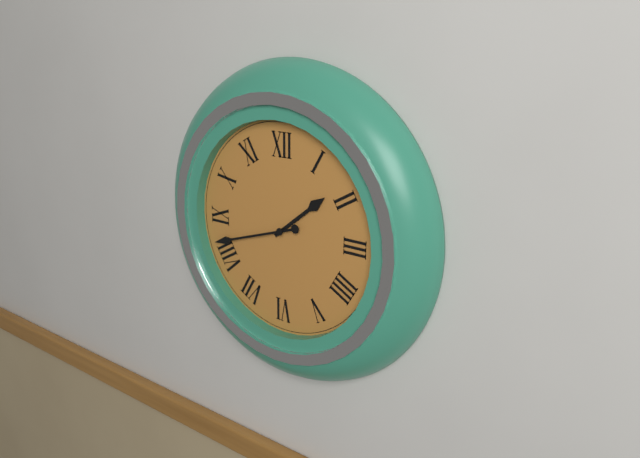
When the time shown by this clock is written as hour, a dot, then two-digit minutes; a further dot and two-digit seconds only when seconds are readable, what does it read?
1.42
